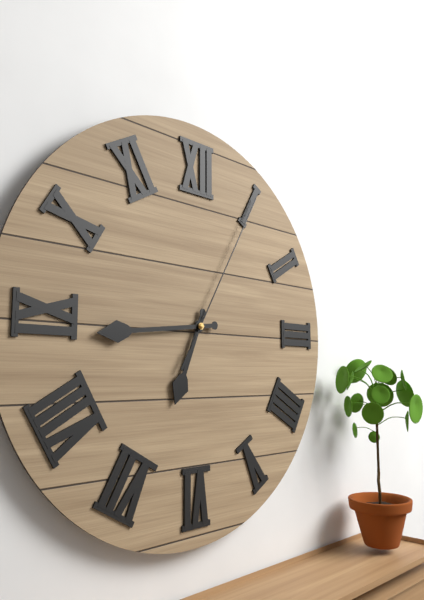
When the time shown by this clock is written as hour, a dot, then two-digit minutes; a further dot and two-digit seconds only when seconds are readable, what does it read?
6.44.05
